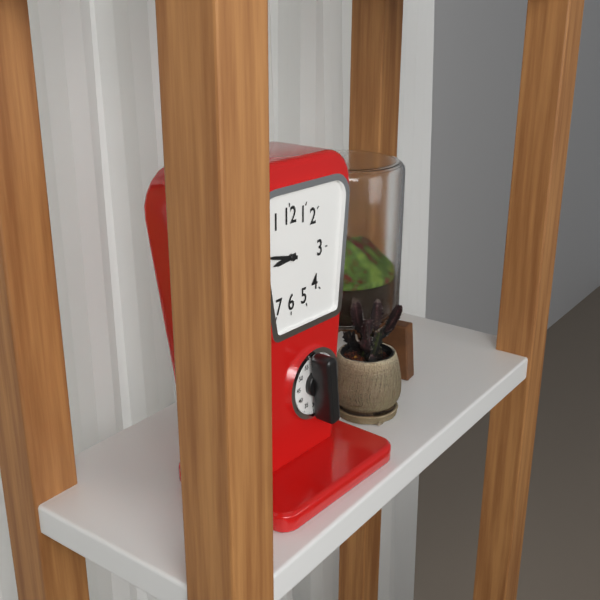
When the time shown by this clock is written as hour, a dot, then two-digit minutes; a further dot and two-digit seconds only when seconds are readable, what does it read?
8.47
